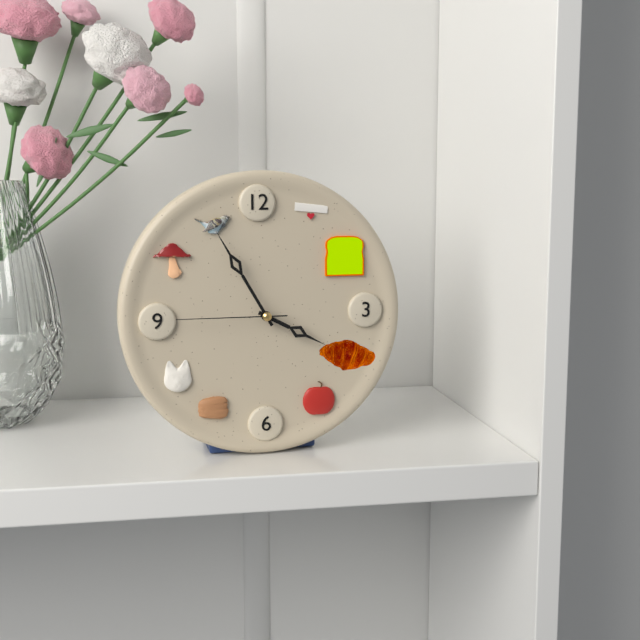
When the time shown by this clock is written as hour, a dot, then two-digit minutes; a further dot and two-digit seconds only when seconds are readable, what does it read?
3.55.45
